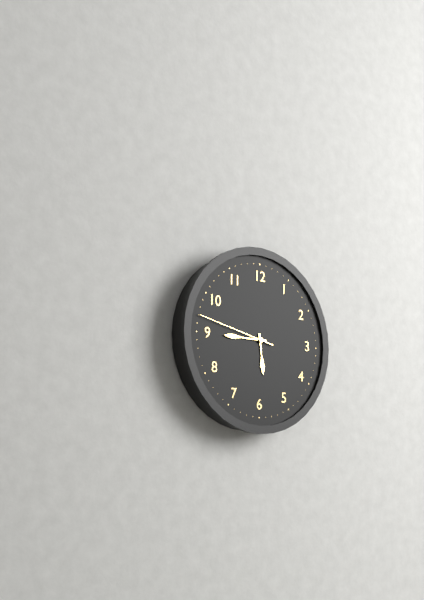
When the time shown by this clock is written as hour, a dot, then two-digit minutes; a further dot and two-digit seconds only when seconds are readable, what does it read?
5.45.47
